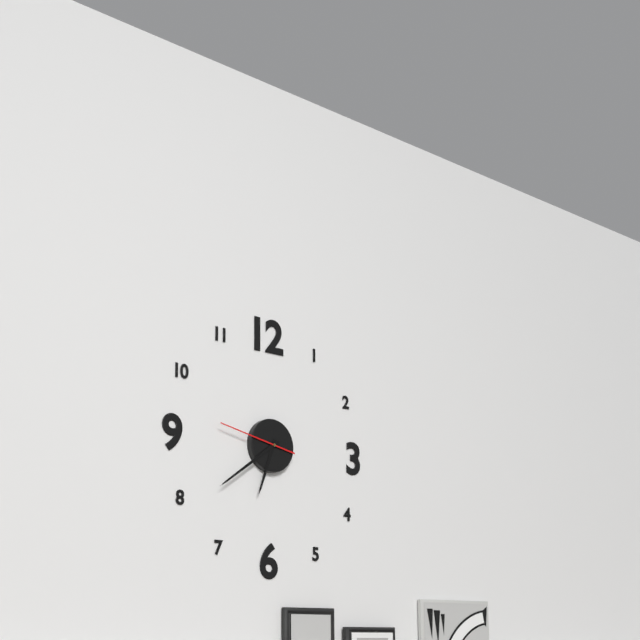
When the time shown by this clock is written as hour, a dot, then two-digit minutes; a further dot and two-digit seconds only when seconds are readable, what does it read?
6.39.47
